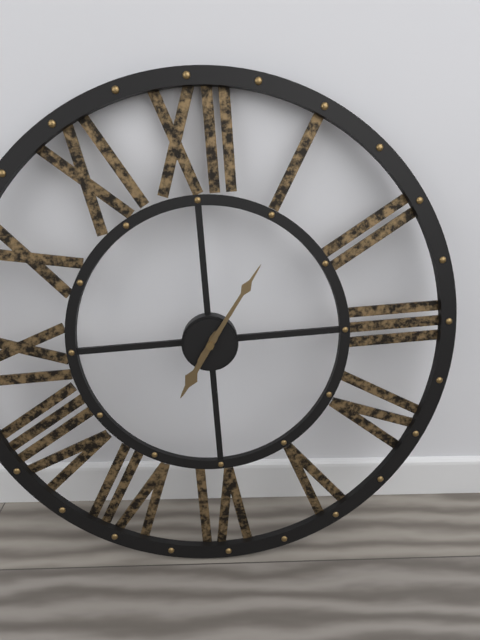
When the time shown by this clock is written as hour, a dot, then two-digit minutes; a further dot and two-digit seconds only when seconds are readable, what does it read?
7.06
